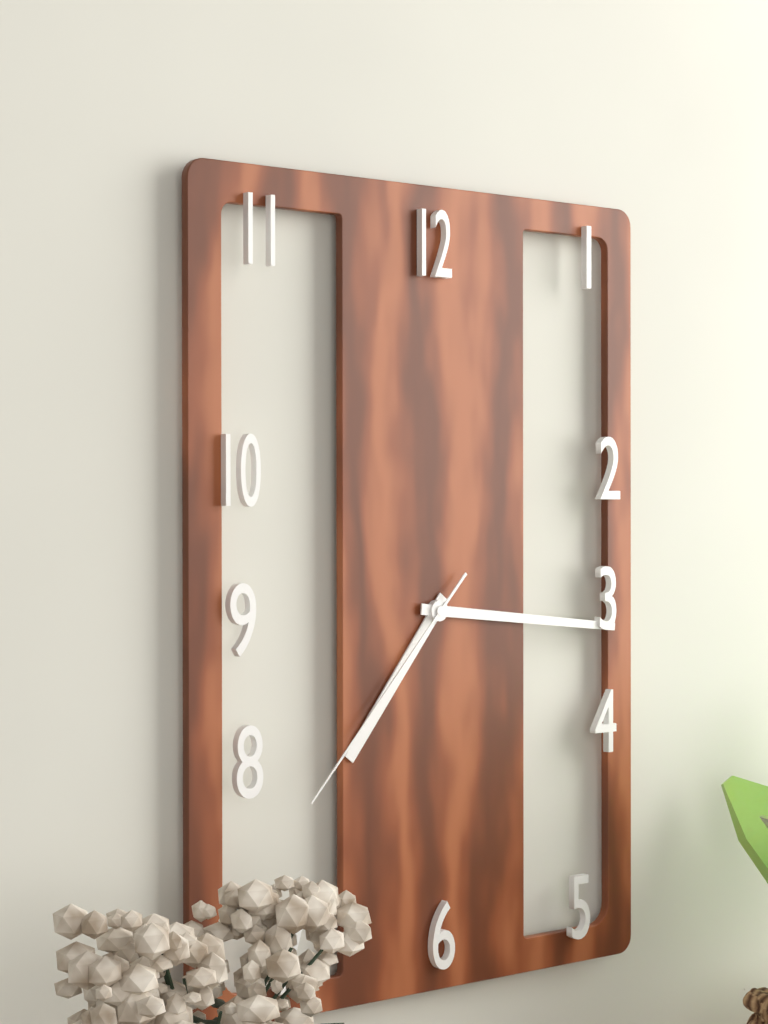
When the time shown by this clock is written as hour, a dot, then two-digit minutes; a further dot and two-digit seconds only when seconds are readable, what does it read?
7.16.37
